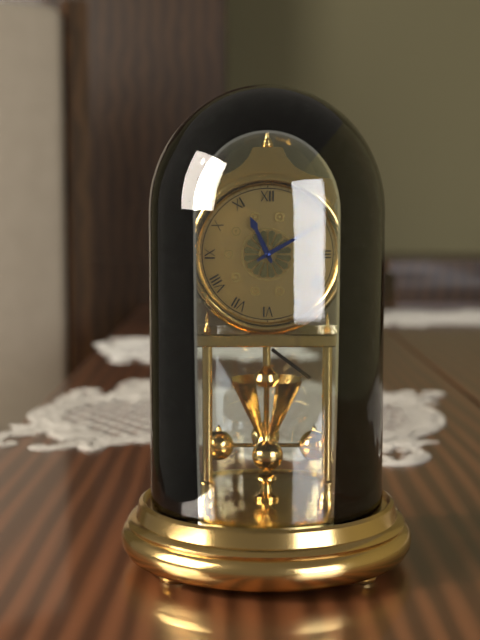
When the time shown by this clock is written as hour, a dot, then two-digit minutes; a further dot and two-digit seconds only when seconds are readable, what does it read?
11.10
